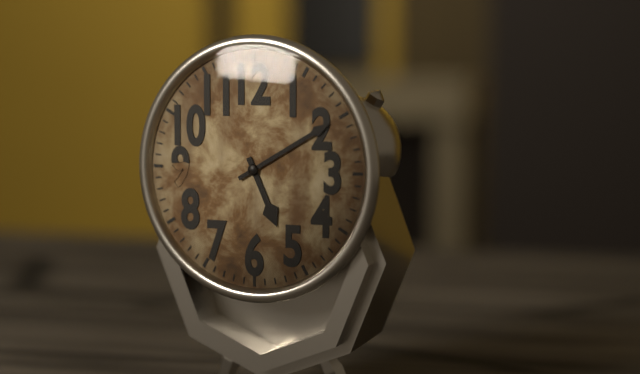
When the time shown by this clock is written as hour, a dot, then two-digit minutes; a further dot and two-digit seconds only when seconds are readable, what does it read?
5.10
